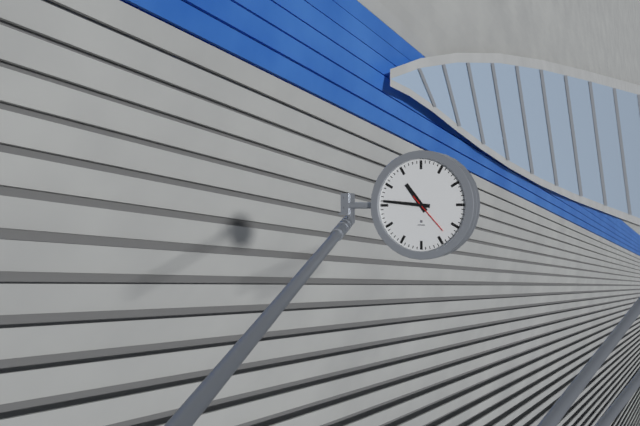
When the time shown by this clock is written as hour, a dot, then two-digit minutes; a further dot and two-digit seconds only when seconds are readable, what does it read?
10.46
